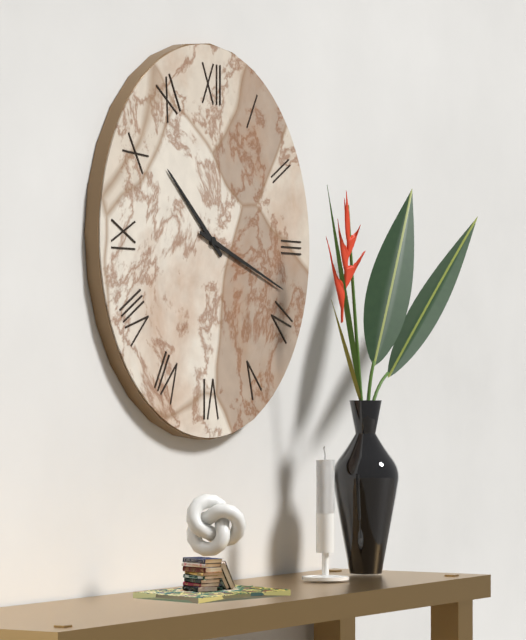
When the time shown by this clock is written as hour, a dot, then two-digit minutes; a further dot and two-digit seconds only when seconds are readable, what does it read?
10.18
